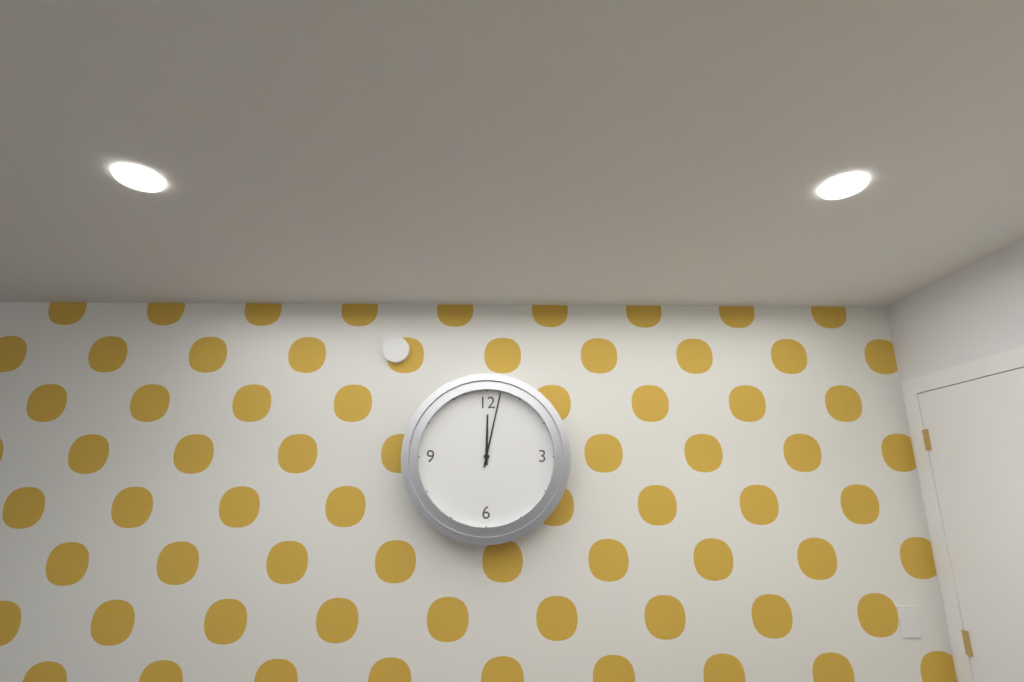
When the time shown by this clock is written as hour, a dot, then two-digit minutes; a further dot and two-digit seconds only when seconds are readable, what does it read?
12.02
